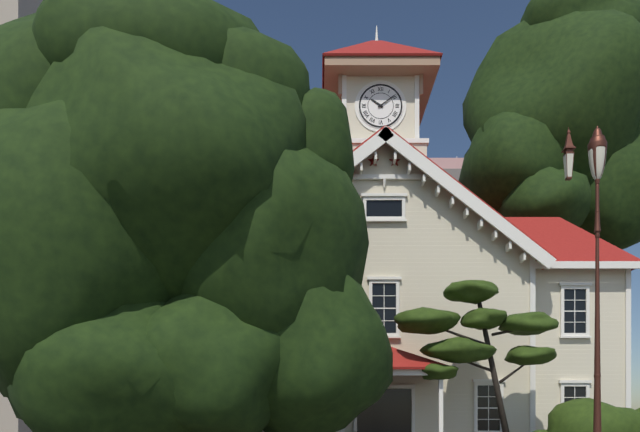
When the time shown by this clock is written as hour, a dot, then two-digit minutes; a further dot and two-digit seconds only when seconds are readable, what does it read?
10.09
